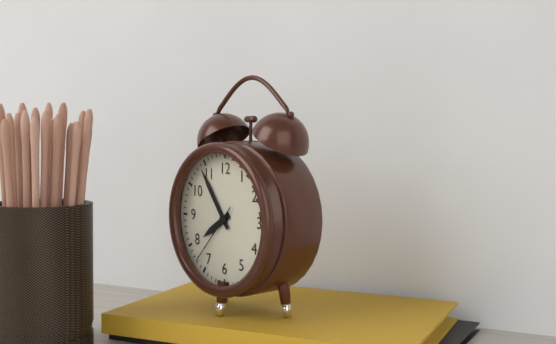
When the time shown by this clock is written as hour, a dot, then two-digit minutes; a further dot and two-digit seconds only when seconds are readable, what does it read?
7.54.37
